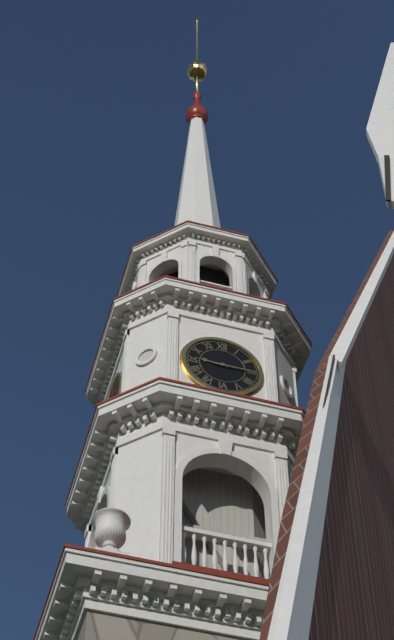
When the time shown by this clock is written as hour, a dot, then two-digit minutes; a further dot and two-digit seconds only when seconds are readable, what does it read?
9.15
